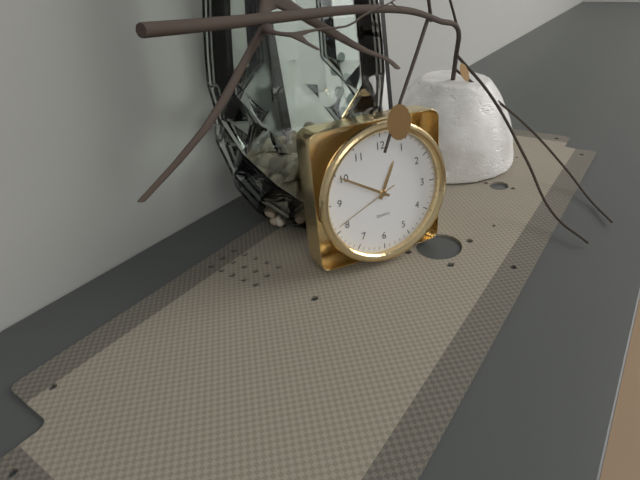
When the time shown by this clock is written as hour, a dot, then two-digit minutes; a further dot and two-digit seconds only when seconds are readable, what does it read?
12.50.41
